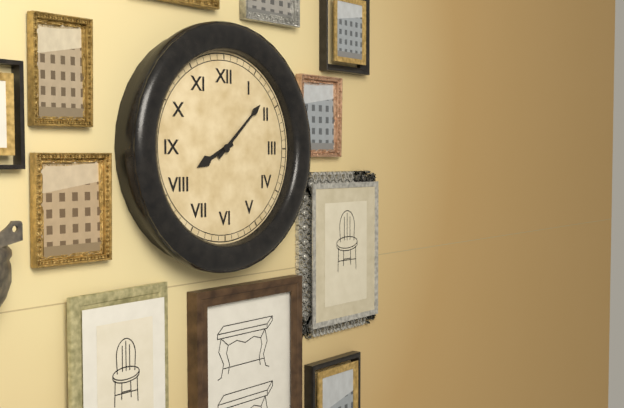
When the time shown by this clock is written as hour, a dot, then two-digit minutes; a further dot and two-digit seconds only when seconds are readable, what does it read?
8.08
